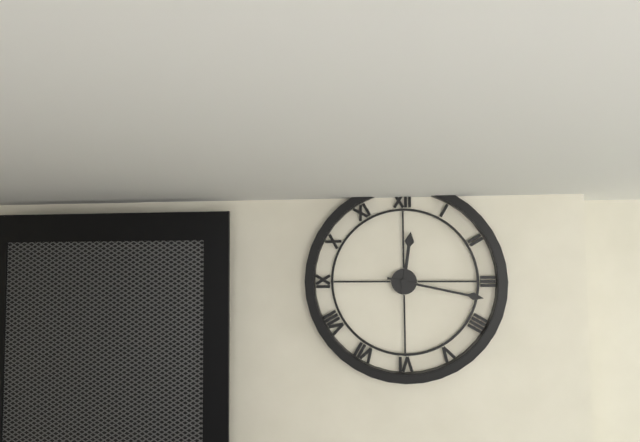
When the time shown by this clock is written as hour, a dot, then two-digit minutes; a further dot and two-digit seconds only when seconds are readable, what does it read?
12.17
